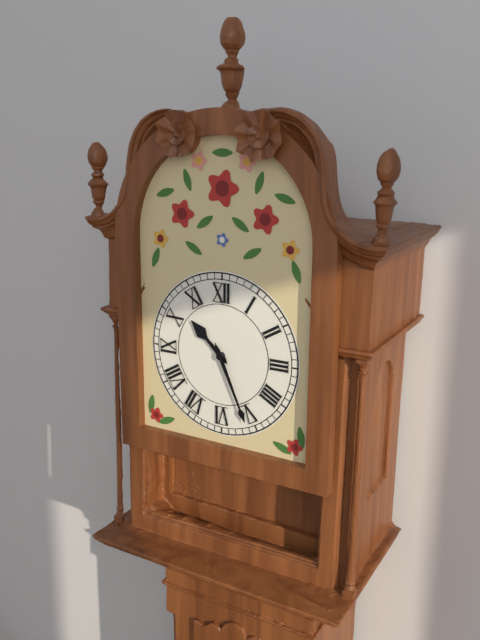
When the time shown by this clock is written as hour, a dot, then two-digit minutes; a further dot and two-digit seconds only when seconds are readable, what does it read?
10.26
